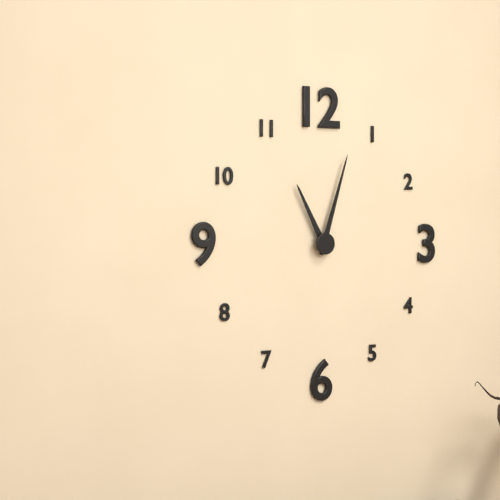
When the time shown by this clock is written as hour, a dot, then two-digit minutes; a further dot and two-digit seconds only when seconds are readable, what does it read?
11.03
